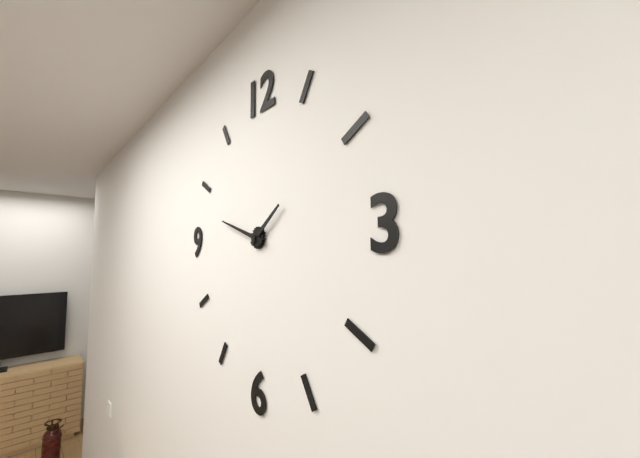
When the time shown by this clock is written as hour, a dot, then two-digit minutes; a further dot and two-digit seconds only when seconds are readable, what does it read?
1.48
